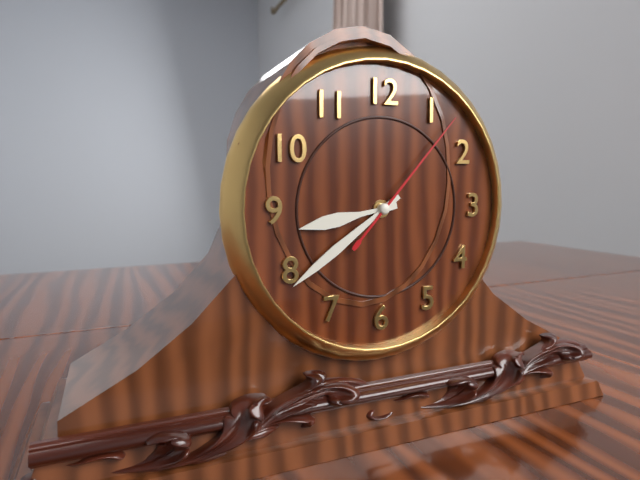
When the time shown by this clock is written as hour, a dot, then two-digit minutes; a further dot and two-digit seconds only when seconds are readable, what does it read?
8.39.07
